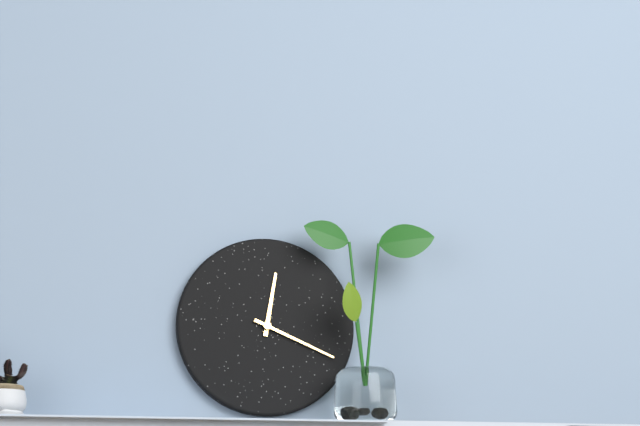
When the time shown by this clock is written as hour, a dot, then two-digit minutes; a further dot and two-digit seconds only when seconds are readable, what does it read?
12.19
